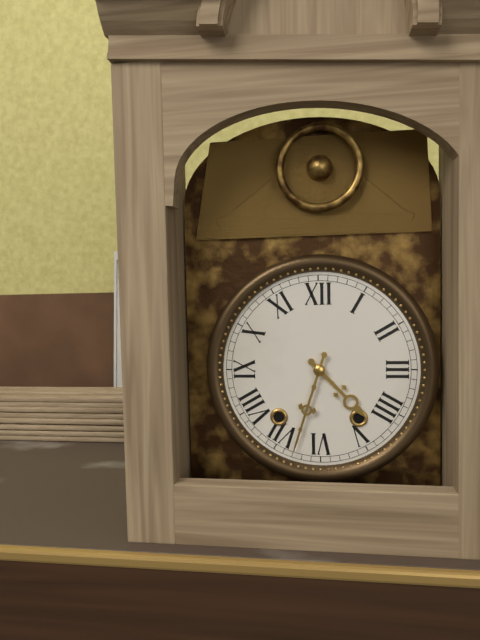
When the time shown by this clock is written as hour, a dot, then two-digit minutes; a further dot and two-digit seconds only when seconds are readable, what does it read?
4.33
